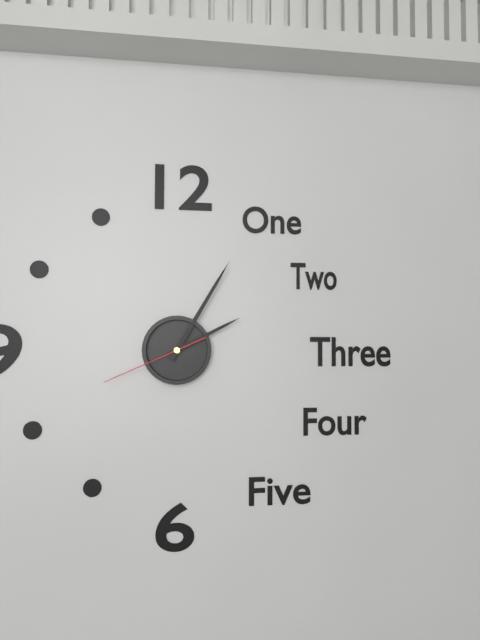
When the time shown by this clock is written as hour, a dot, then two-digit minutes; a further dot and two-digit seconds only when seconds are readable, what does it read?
2.05.41
